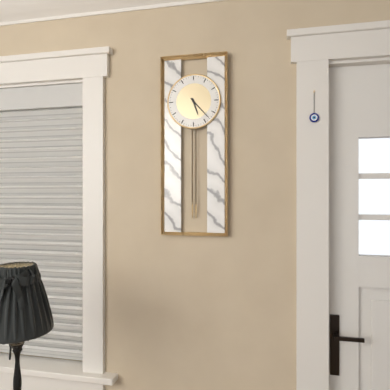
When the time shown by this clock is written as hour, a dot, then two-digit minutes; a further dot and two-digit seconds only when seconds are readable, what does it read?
5.23
